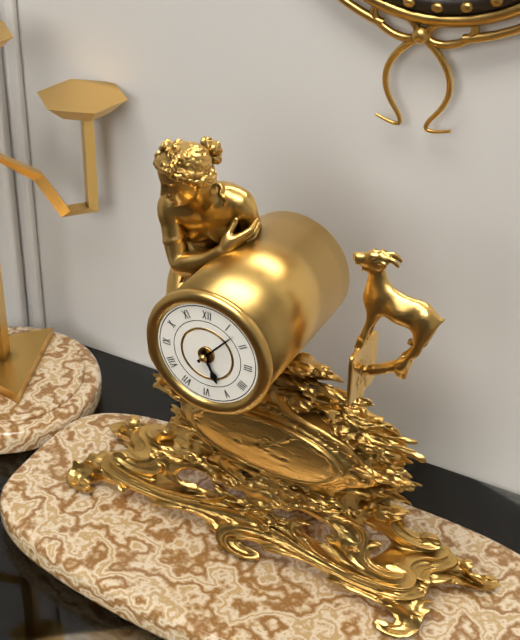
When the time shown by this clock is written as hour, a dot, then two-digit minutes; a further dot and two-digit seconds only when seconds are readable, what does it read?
5.07
